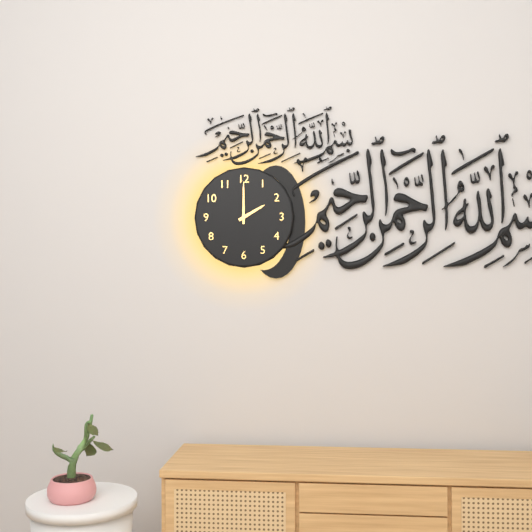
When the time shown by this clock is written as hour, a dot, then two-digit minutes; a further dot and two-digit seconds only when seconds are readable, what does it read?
2.00
